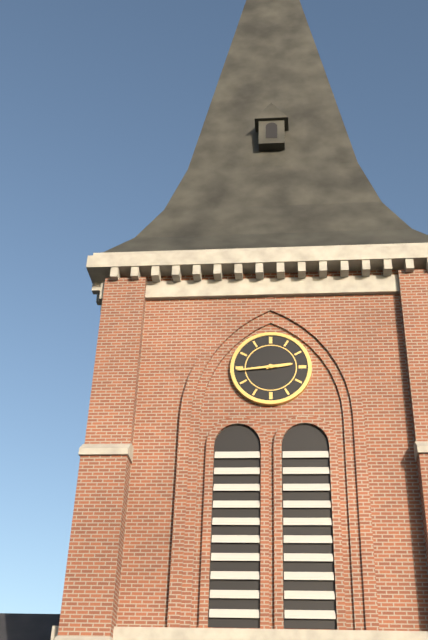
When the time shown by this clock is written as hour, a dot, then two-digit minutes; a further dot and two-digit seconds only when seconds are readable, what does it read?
2.44
